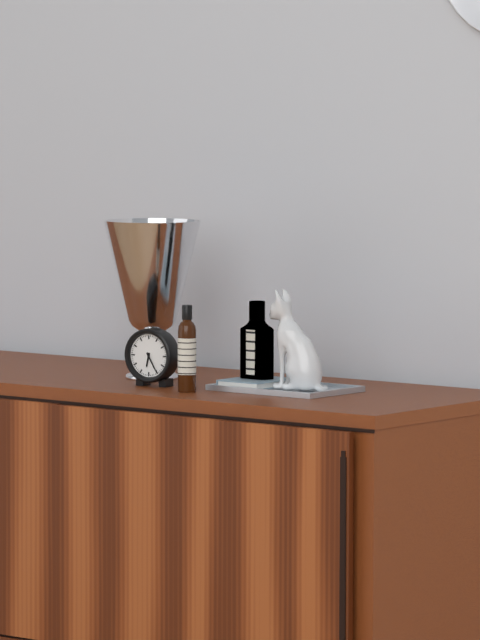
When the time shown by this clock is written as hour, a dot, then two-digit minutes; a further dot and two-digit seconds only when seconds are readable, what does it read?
6.25
